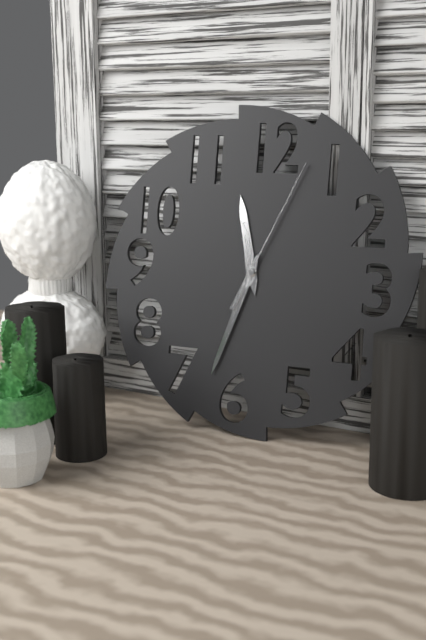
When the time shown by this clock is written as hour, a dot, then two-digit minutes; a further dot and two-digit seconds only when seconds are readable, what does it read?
11.33.04
